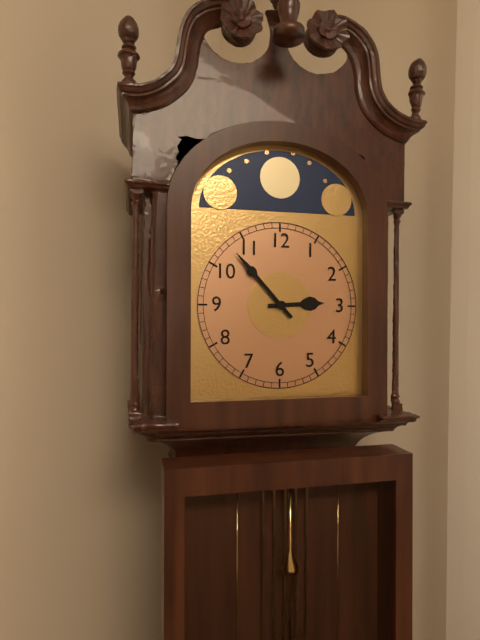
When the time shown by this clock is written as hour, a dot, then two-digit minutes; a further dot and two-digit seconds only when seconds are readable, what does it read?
2.53
